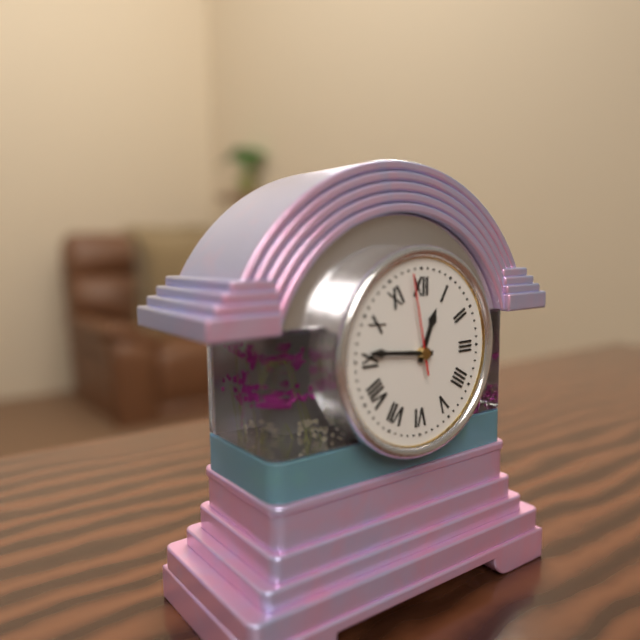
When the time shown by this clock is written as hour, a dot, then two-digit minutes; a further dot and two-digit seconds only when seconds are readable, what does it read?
12.46.58
